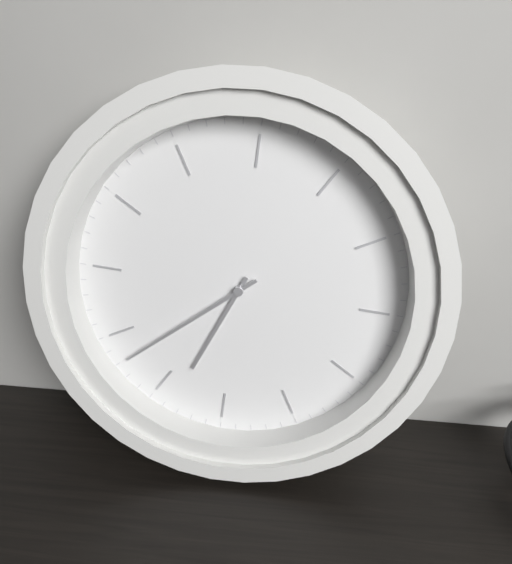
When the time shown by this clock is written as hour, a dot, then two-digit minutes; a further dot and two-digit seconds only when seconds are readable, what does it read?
7.43
